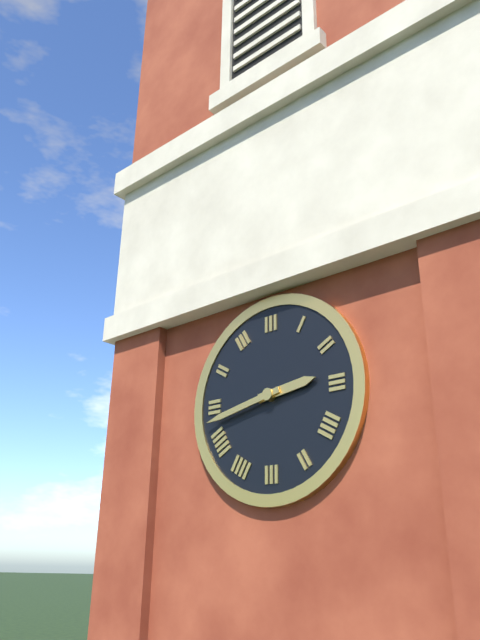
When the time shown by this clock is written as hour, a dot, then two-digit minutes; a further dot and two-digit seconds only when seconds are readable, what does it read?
2.43
